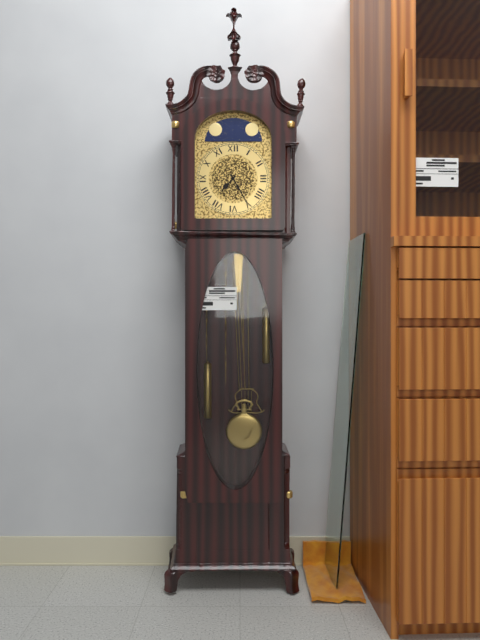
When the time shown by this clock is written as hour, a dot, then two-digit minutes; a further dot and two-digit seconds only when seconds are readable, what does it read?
7.25
